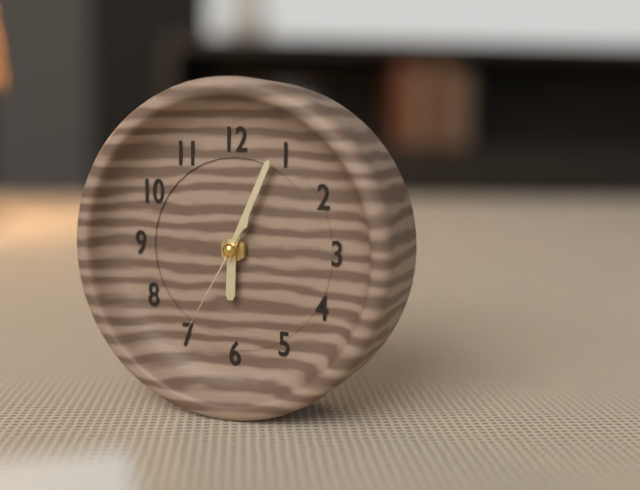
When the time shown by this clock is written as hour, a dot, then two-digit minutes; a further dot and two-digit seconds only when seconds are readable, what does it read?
6.04.35
